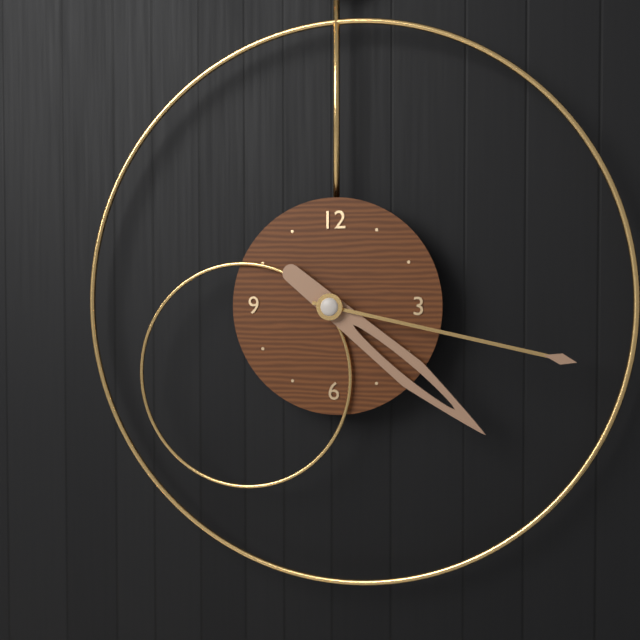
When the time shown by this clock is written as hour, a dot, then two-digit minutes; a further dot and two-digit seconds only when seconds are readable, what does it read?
4.17
